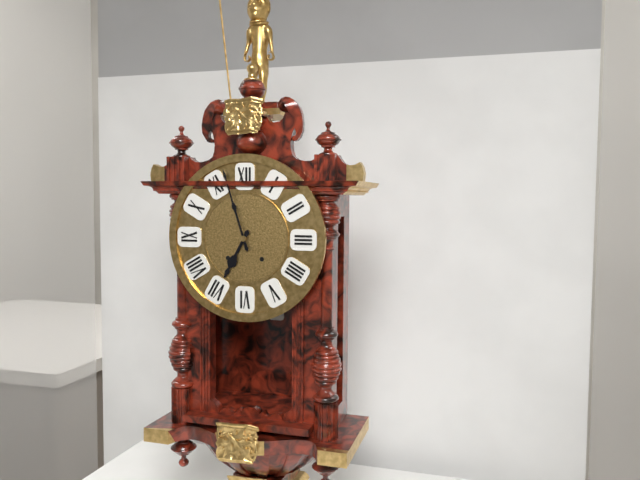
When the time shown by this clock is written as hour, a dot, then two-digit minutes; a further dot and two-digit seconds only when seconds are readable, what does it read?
6.57
